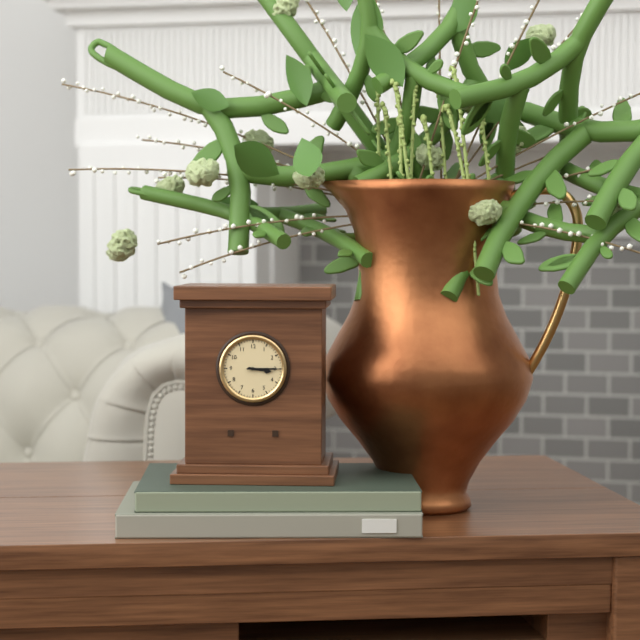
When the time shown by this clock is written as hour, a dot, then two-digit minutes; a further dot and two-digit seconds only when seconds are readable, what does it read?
3.15
